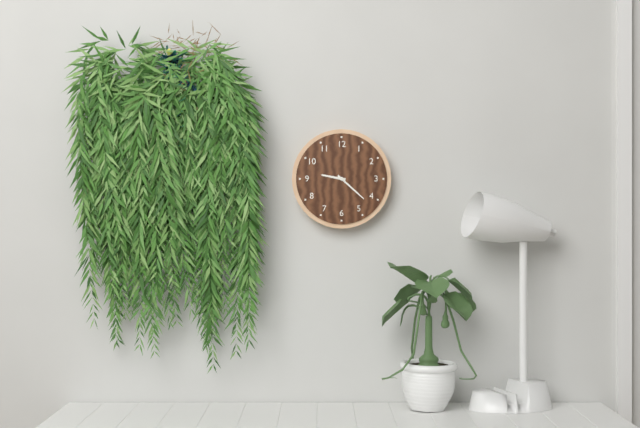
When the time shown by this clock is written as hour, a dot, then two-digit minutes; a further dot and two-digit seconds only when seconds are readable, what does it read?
9.22
